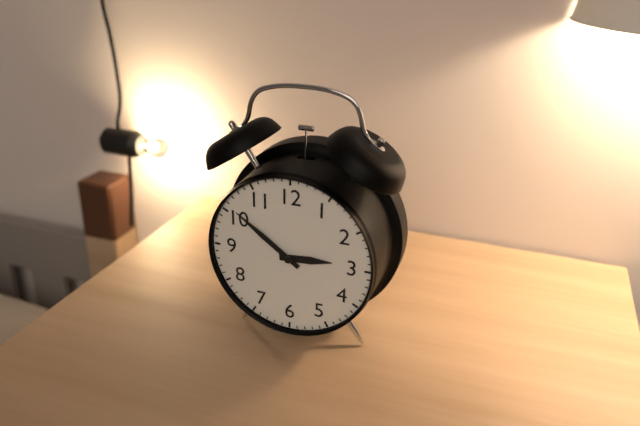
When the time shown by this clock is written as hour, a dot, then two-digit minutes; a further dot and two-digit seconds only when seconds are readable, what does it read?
2.51
